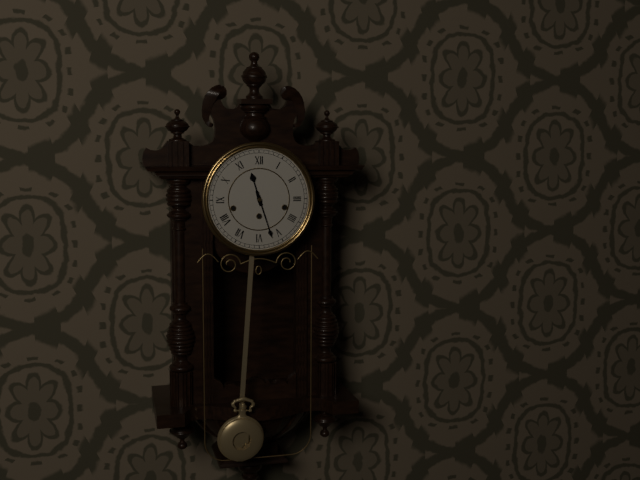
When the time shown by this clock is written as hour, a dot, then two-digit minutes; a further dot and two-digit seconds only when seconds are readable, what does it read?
11.27
